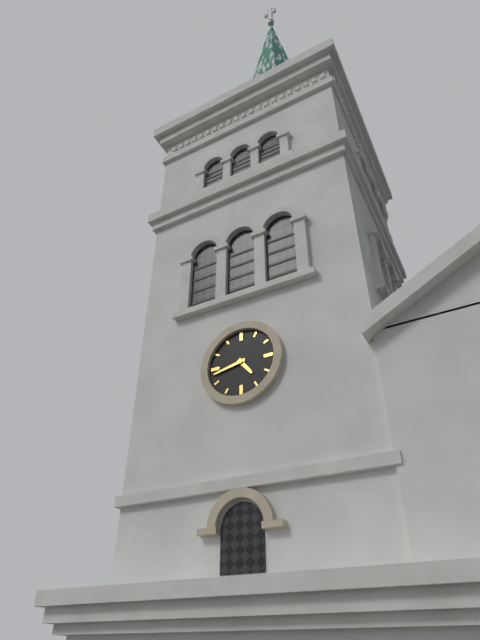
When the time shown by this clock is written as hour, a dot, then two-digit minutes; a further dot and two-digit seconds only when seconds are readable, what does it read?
4.43
